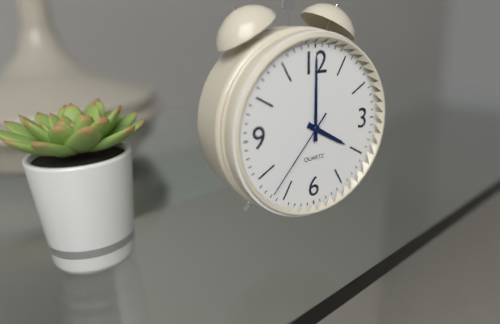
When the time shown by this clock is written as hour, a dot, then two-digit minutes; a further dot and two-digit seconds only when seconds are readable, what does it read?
4.00.37
